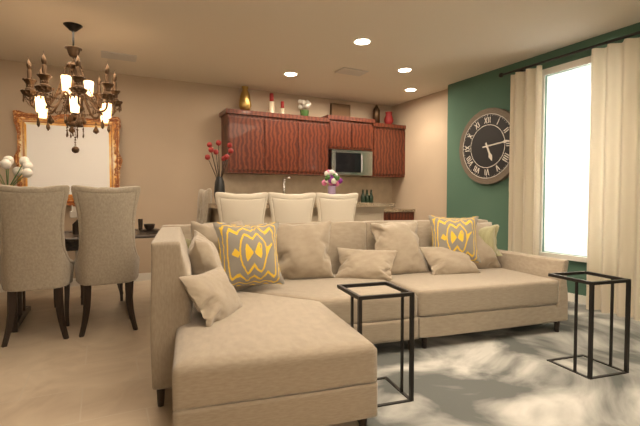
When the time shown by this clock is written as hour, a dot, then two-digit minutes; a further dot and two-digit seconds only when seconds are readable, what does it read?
5.14
